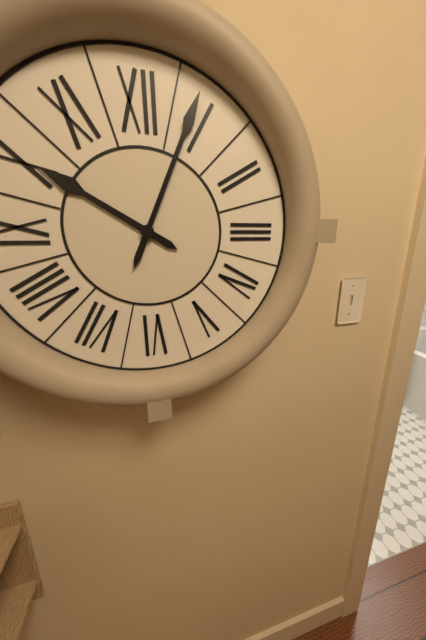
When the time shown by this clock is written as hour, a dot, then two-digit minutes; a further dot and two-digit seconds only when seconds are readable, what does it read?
10.04
